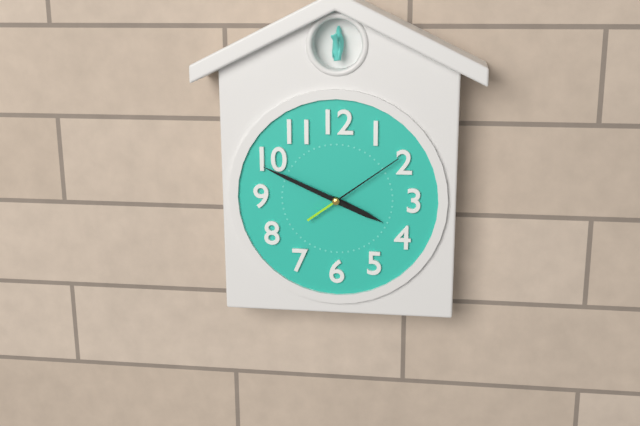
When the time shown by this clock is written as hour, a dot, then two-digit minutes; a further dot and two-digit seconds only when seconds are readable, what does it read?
3.49.09
